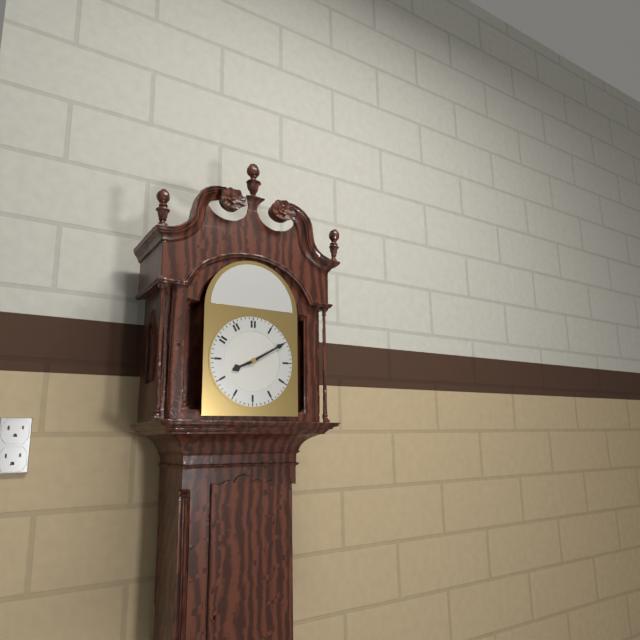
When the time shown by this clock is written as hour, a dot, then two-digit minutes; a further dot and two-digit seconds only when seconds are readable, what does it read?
8.10
